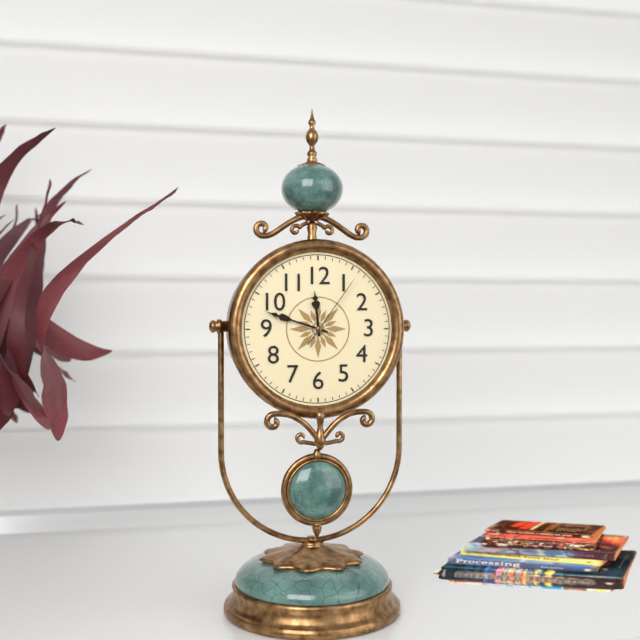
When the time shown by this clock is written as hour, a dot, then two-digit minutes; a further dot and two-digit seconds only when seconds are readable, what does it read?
11.48.06
